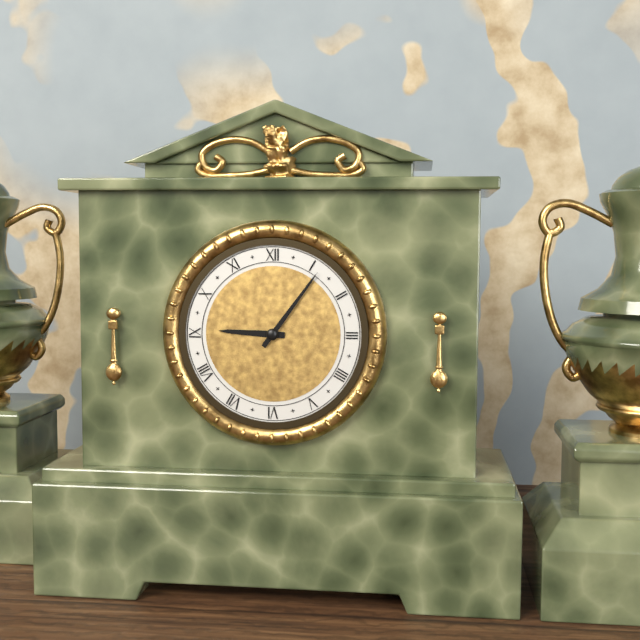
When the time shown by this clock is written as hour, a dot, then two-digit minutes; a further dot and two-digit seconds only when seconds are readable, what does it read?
9.06
